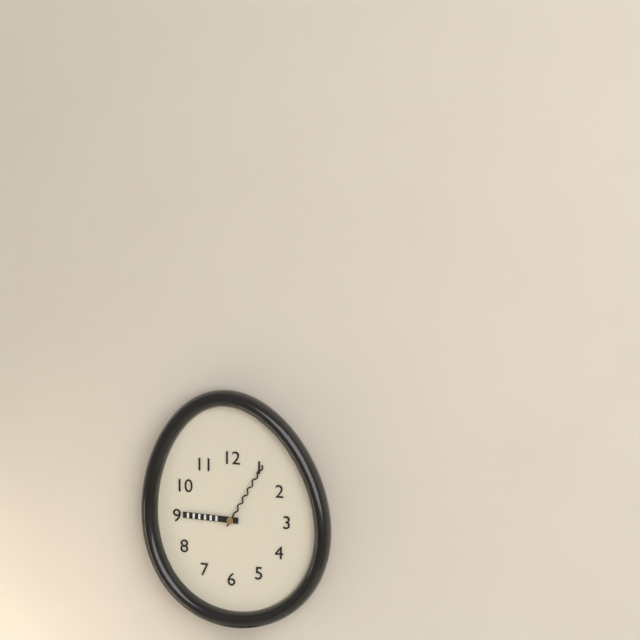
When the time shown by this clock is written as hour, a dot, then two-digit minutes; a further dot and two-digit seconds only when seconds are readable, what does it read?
9.05
